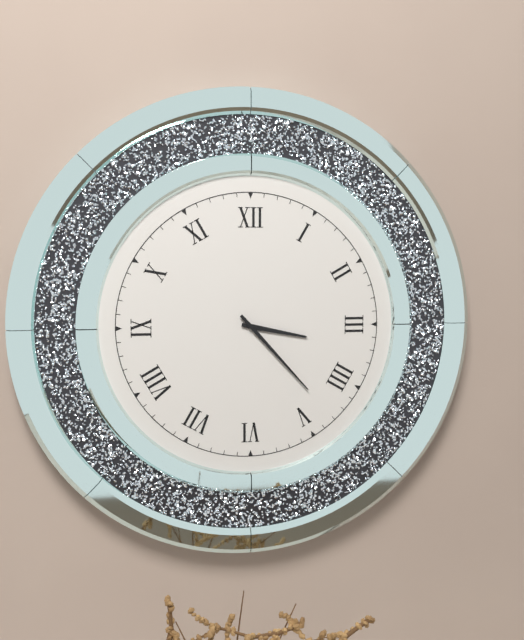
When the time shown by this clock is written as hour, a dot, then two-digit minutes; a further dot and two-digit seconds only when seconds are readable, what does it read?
3.23
